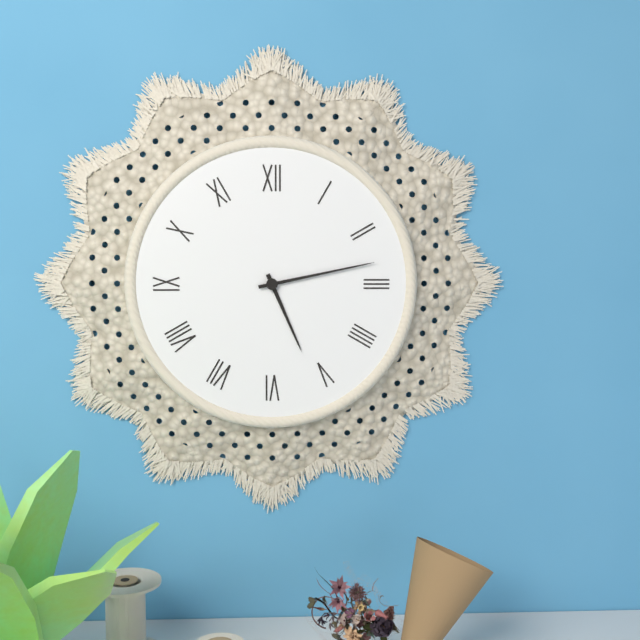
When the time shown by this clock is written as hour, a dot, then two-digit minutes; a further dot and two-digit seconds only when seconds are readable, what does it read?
5.13
